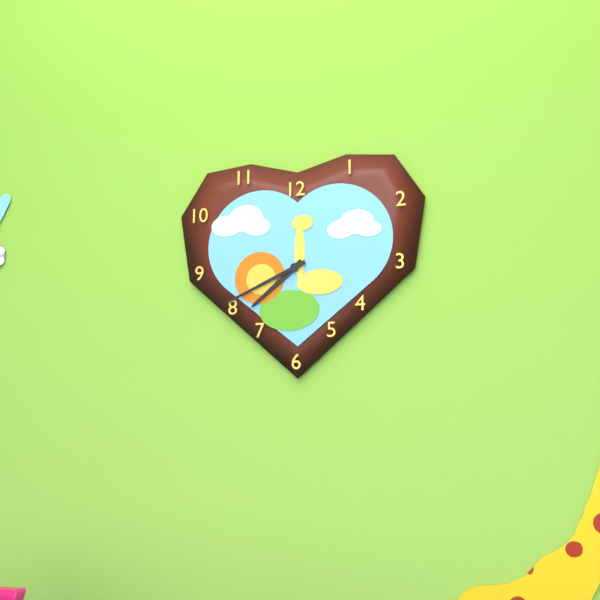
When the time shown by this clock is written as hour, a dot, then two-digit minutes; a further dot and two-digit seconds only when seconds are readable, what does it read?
7.41
